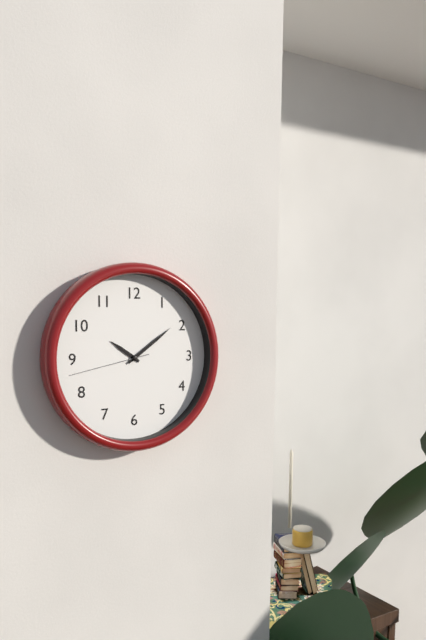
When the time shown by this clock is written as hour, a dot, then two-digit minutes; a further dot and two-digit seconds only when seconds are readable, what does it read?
10.09.43
